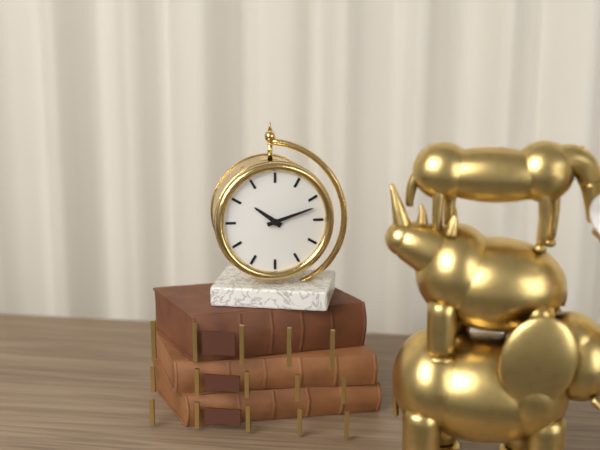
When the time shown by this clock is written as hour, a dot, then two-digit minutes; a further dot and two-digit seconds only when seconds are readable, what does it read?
10.12
